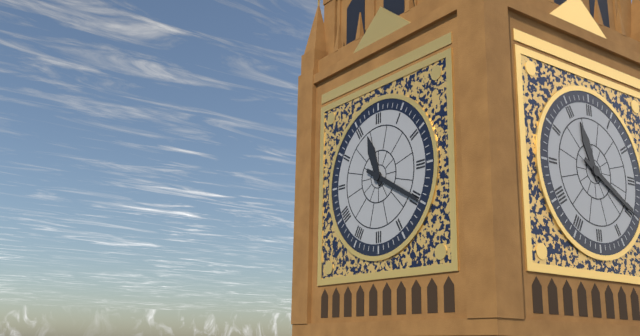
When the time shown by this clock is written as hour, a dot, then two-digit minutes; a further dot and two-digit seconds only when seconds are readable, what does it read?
11.20
